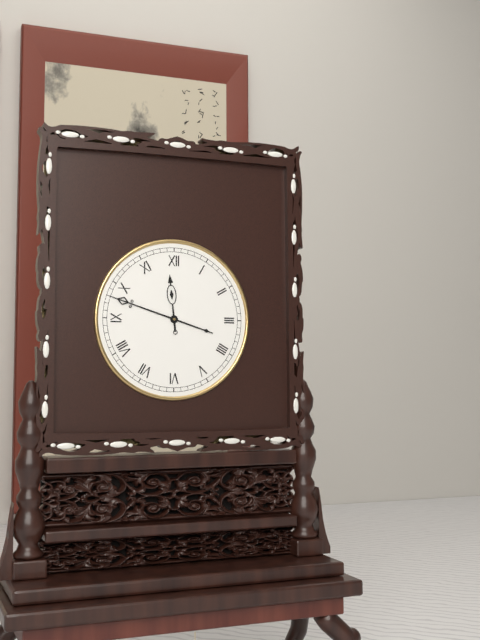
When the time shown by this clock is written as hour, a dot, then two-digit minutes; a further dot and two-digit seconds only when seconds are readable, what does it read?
11.48
